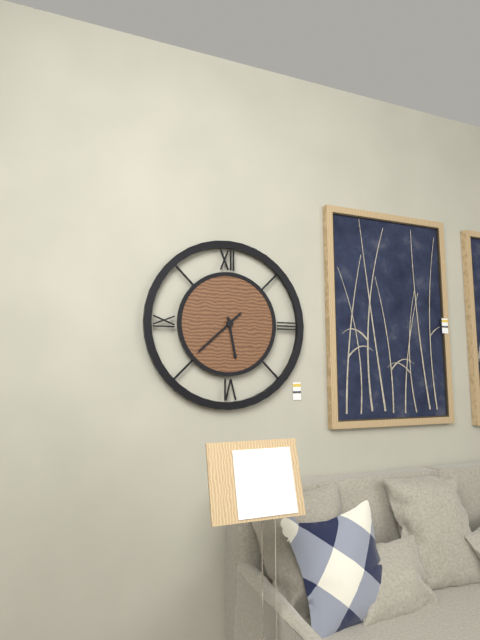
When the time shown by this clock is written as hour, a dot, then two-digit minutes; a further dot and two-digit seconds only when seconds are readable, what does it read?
5.38
